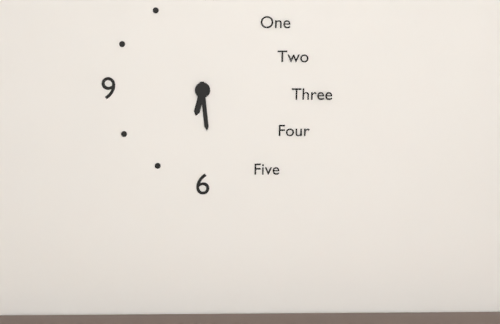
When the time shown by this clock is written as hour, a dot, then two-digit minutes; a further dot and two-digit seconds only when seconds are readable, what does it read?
6.29
